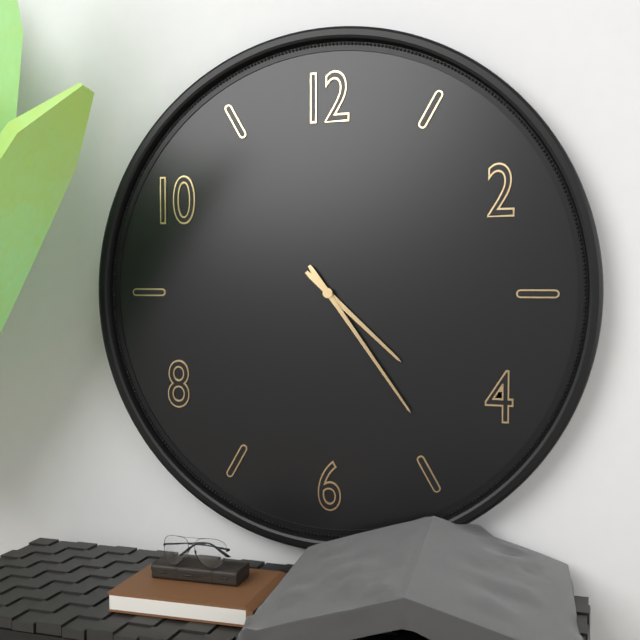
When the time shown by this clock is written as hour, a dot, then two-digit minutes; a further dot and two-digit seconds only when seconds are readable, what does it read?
4.24
